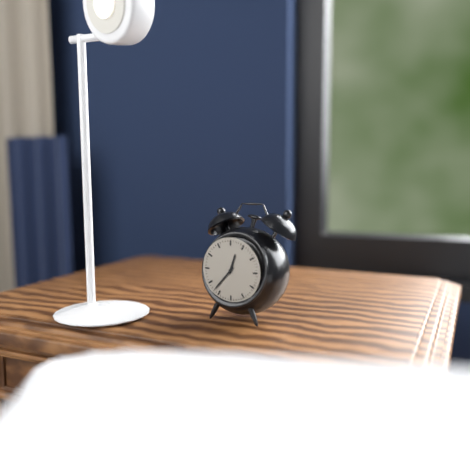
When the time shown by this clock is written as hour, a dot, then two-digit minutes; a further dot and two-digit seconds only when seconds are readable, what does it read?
12.37
